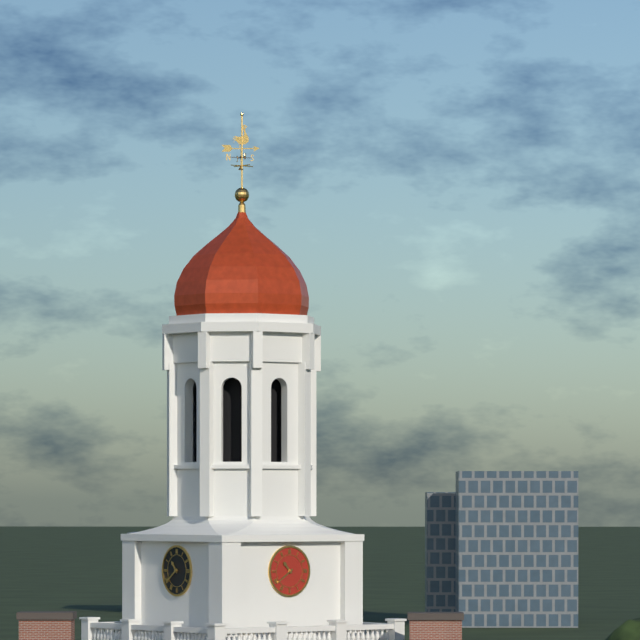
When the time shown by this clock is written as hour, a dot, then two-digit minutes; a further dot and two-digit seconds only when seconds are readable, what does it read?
10.39
